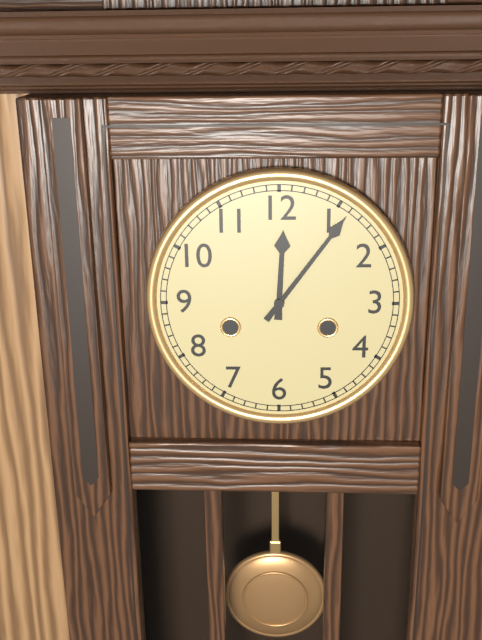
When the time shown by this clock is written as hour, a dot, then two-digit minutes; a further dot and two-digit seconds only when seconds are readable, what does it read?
12.06
